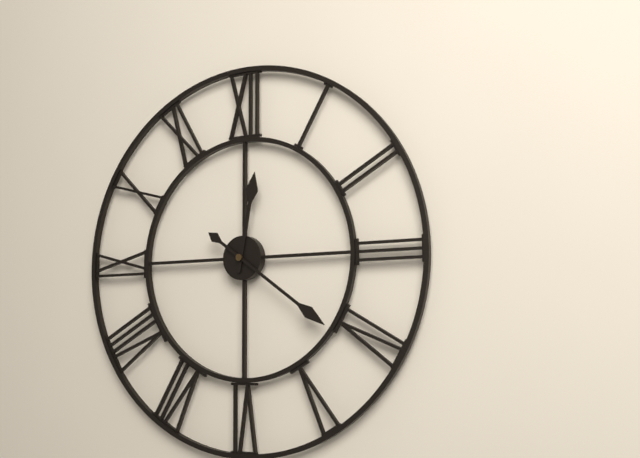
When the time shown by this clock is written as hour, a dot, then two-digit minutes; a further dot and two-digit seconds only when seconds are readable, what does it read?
12.21
